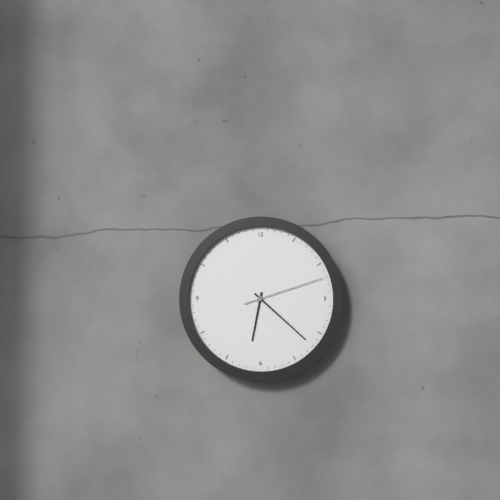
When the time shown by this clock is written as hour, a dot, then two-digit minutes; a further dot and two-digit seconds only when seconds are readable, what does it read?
6.22.12
